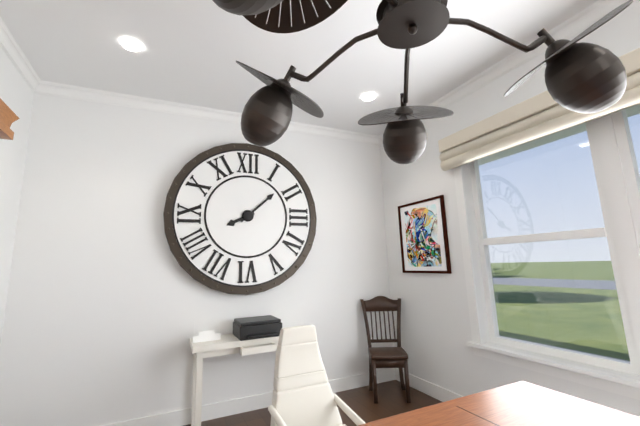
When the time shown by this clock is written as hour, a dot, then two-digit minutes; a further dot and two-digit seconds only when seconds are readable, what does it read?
8.08
